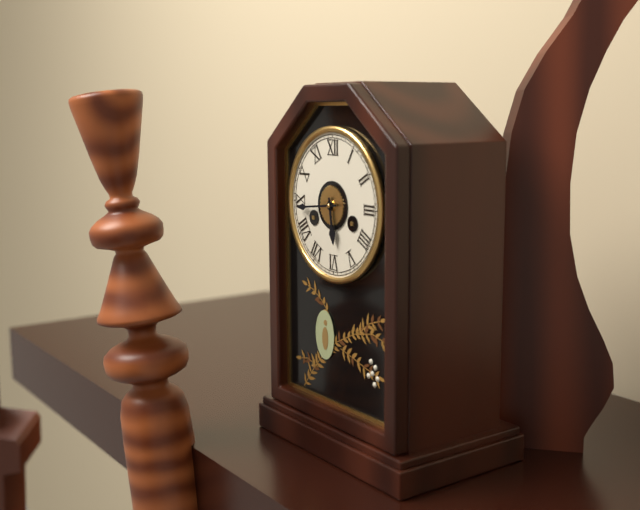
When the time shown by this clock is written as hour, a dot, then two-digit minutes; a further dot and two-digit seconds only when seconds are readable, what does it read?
5.44
